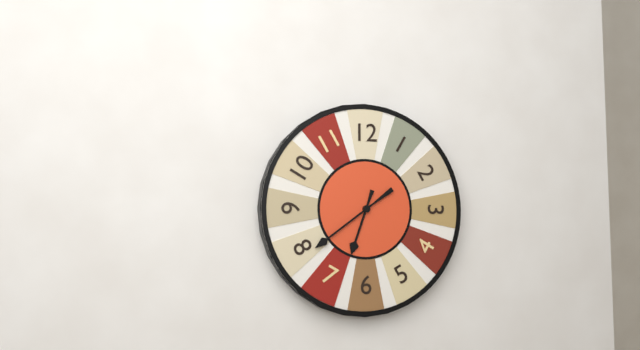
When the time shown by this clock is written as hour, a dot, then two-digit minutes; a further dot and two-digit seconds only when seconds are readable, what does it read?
6.39
